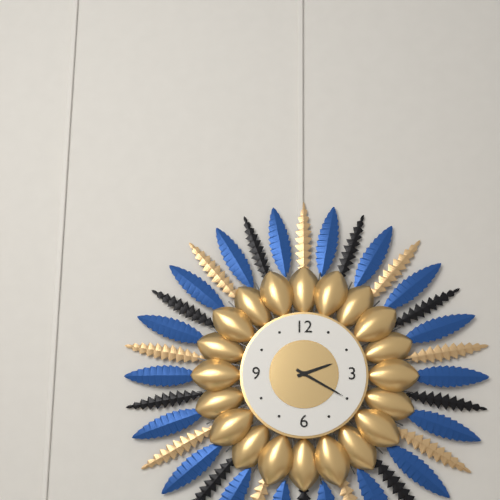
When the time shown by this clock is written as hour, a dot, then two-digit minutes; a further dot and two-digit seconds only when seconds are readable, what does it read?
2.20
